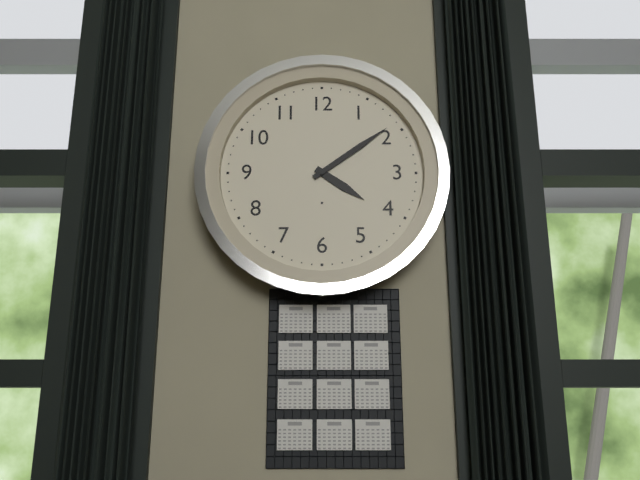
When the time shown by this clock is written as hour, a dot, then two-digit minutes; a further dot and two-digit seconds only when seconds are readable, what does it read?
4.09
